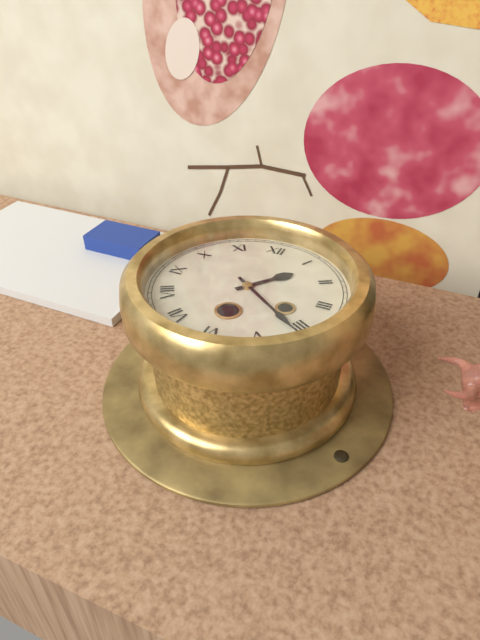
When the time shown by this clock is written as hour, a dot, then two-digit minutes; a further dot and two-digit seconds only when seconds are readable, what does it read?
1.21
